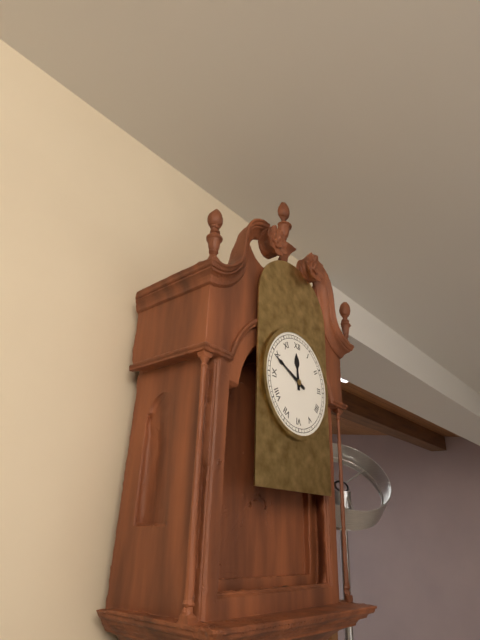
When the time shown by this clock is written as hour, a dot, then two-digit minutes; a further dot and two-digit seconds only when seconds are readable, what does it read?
11.49
